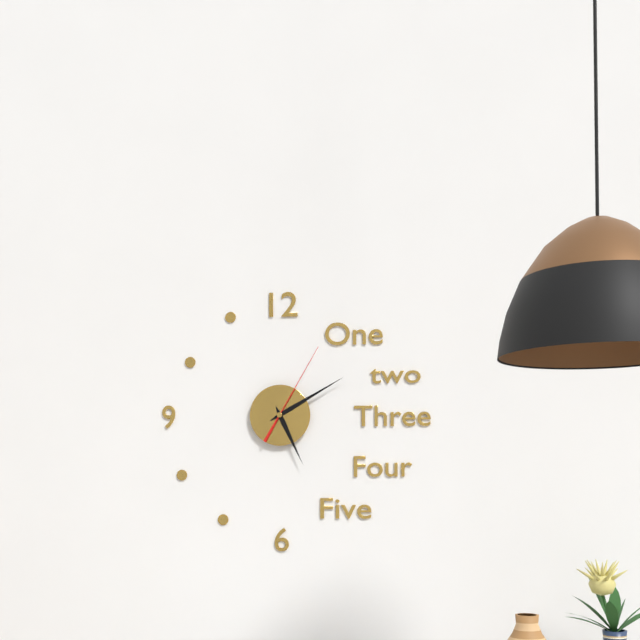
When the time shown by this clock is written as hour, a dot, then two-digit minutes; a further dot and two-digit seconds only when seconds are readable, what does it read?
5.10.05
